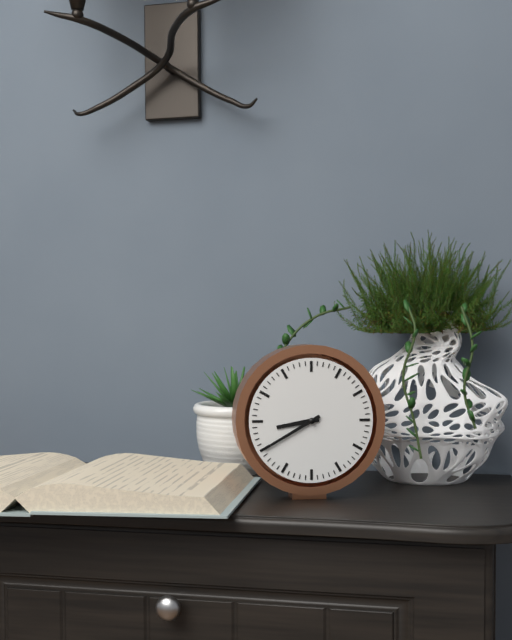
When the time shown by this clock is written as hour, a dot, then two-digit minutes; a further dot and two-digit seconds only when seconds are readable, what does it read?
8.40
